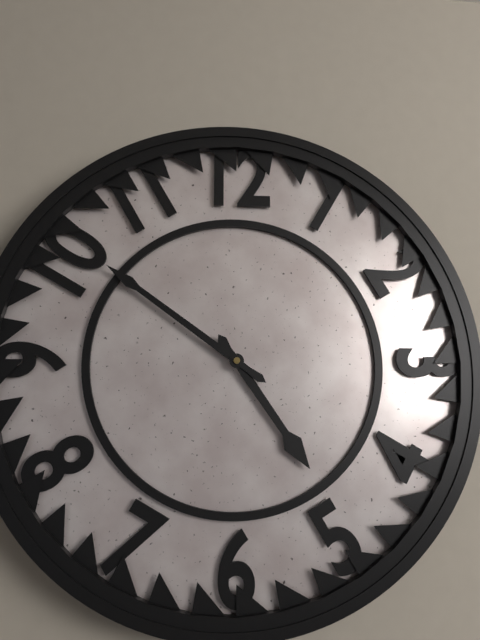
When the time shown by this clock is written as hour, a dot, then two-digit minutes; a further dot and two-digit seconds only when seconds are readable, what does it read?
4.51
